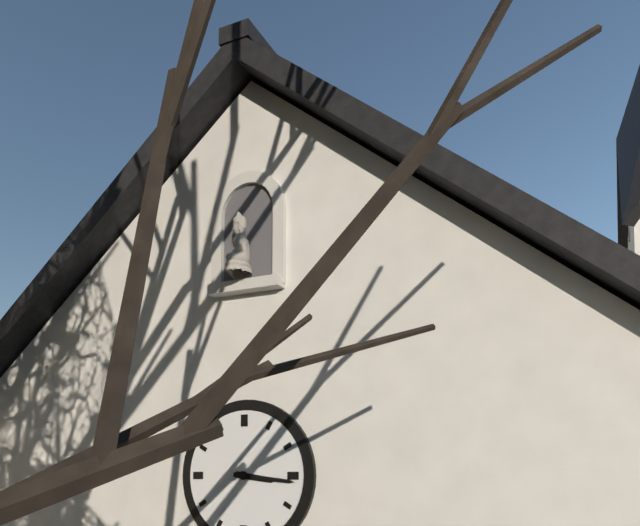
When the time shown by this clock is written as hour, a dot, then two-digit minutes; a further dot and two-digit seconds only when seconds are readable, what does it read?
3.16
